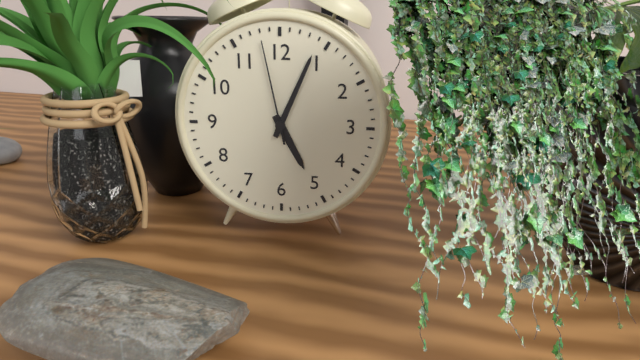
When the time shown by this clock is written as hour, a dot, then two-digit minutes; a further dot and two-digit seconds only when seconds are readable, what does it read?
5.04.58
